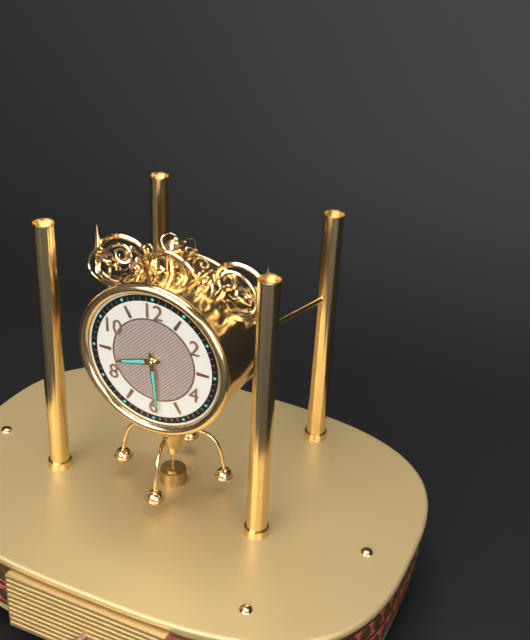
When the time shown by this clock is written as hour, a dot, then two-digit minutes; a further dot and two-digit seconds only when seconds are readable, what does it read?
8.29
